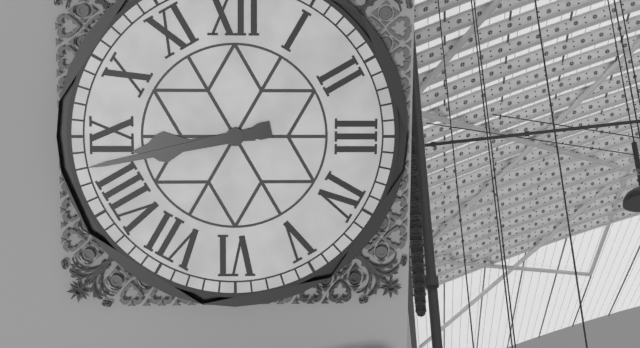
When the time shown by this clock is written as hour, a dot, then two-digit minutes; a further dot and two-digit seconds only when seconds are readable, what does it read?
8.43
